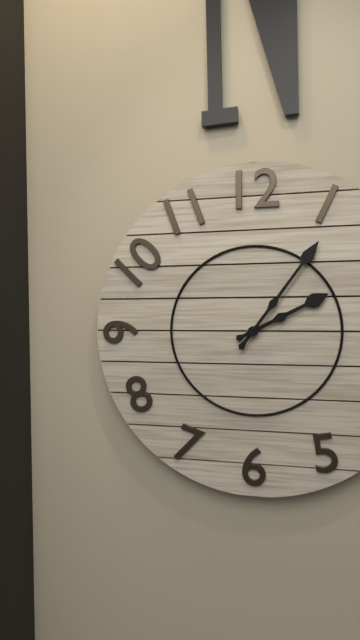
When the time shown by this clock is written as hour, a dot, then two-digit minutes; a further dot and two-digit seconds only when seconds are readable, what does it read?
2.06
